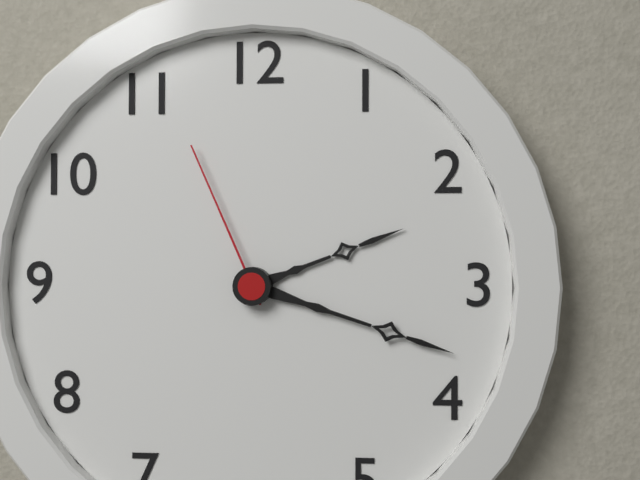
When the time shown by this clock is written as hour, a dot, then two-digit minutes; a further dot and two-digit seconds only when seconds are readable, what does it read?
2.18.56
